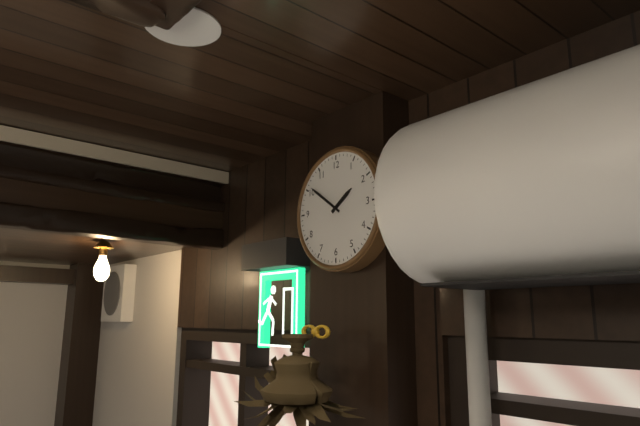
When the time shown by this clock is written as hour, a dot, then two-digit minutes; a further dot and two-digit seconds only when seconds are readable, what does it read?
1.51
